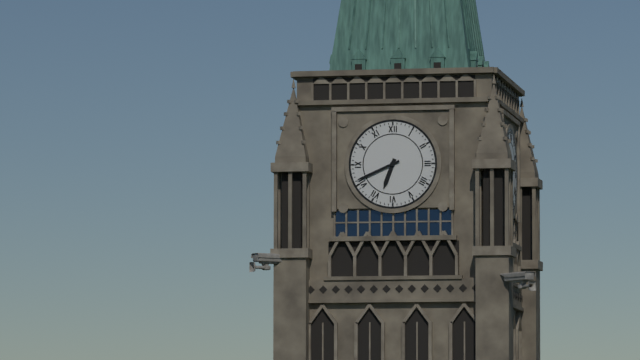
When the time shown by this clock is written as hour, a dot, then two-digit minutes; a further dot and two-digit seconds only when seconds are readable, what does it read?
6.41
